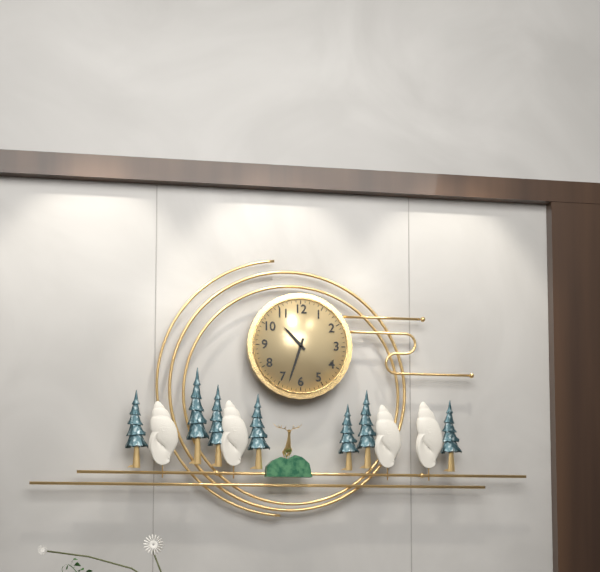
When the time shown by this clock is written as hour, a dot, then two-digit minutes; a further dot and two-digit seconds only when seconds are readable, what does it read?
10.33
